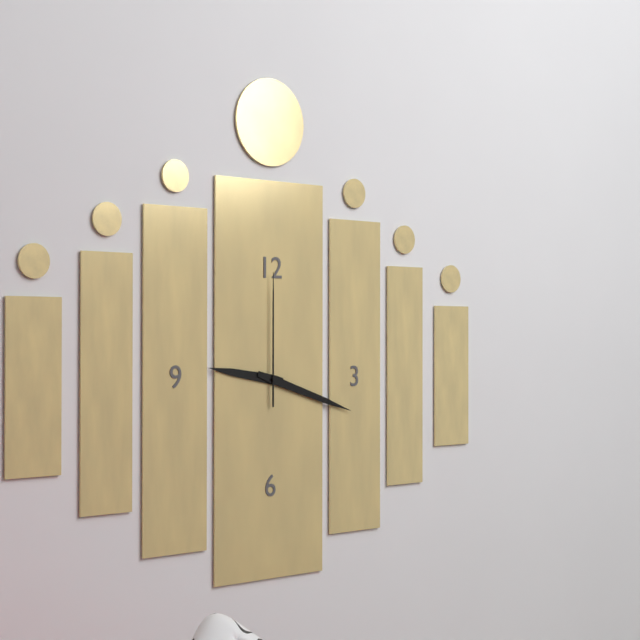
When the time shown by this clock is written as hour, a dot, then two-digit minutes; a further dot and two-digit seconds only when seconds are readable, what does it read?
9.18.00
